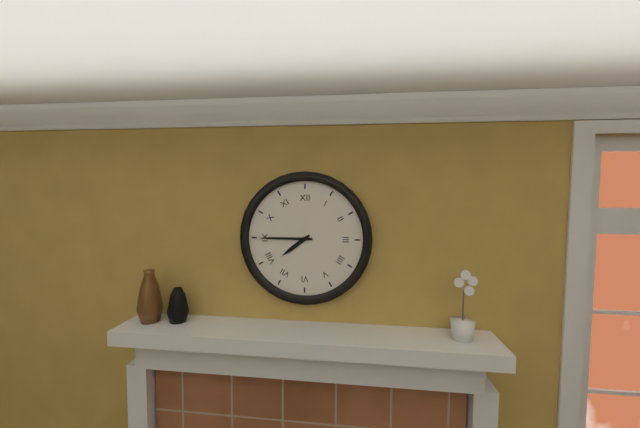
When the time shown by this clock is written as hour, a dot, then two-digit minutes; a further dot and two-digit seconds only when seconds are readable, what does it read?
7.45
